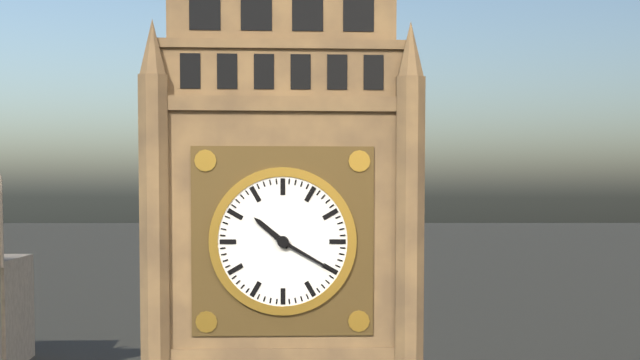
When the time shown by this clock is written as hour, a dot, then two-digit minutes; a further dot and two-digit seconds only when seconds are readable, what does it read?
10.20
